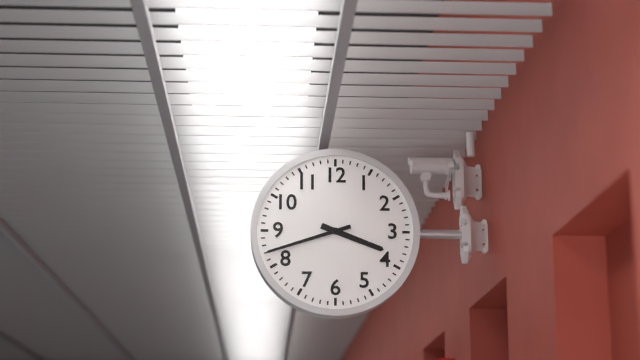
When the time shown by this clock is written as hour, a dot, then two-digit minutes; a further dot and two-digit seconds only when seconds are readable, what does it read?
3.42
